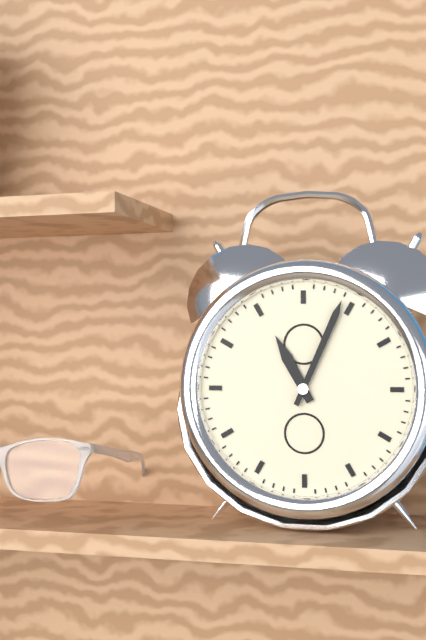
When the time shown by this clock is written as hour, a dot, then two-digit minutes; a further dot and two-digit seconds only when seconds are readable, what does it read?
11.04
